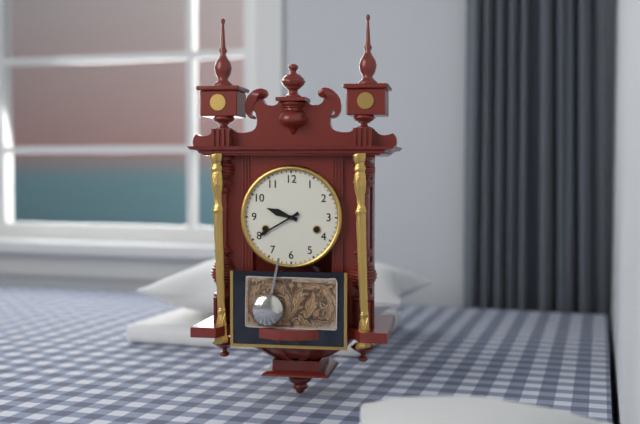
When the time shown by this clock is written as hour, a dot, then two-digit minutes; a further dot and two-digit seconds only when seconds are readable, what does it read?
9.40
